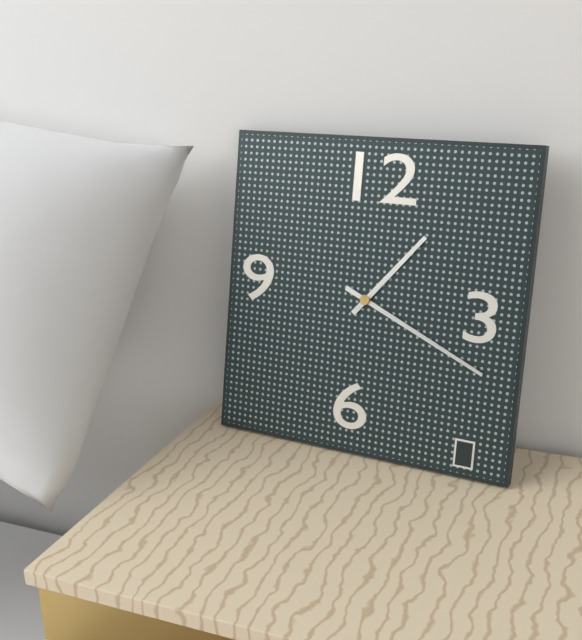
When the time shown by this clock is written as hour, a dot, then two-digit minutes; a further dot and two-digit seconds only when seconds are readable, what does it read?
1.19
